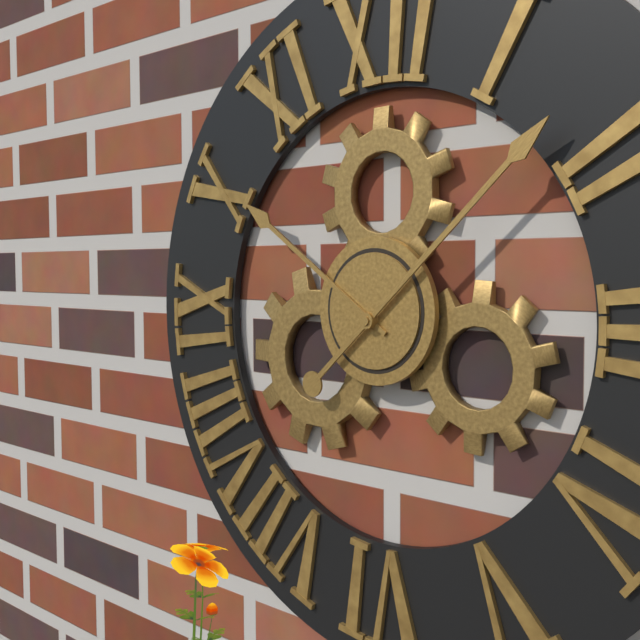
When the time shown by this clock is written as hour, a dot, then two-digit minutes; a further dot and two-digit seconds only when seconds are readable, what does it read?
10.08
